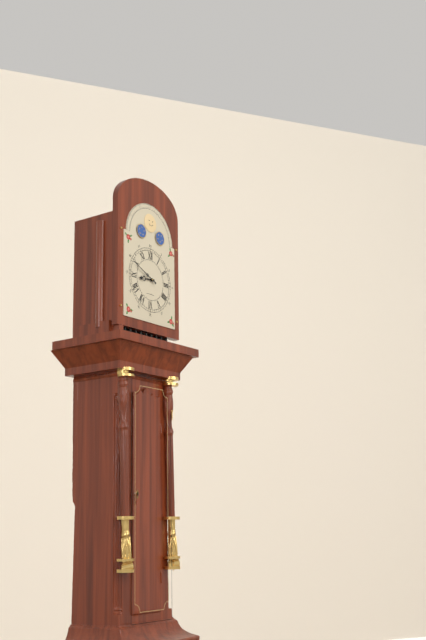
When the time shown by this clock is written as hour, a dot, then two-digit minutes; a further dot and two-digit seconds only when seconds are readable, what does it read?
8.49
